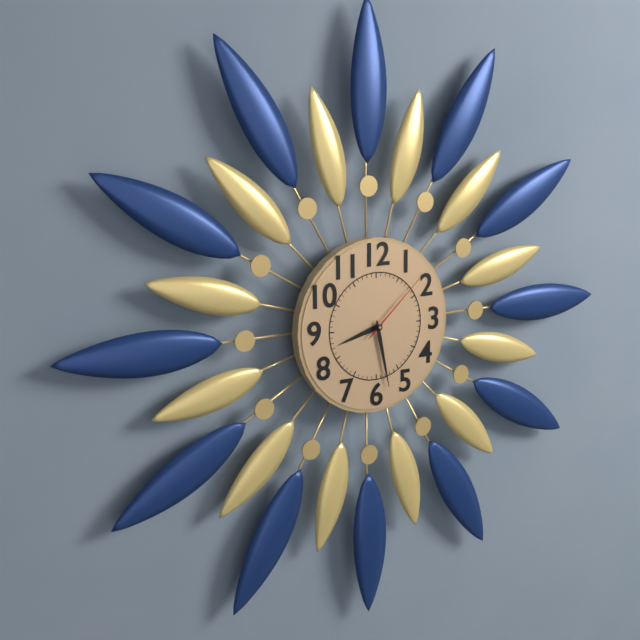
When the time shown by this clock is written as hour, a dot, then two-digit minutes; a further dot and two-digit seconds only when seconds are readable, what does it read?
8.28.08
